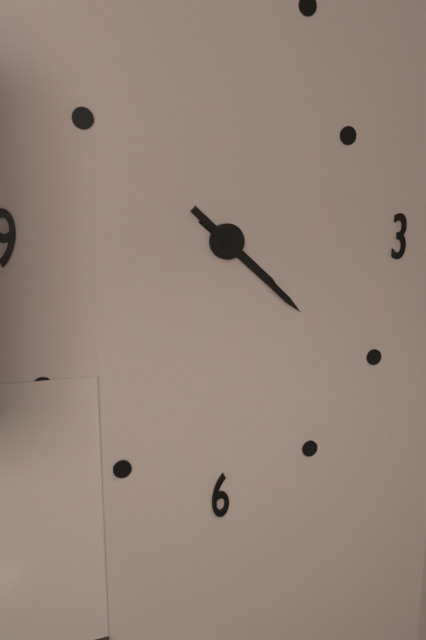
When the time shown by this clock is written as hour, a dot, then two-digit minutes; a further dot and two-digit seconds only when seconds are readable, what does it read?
4.22
